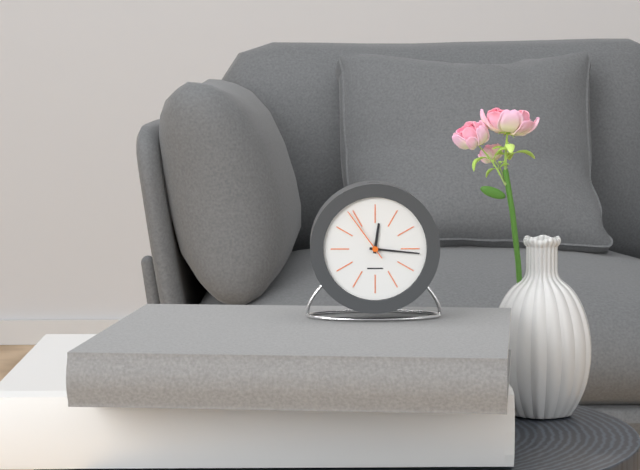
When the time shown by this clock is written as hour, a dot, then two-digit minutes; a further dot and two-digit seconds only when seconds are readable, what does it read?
12.16.54
